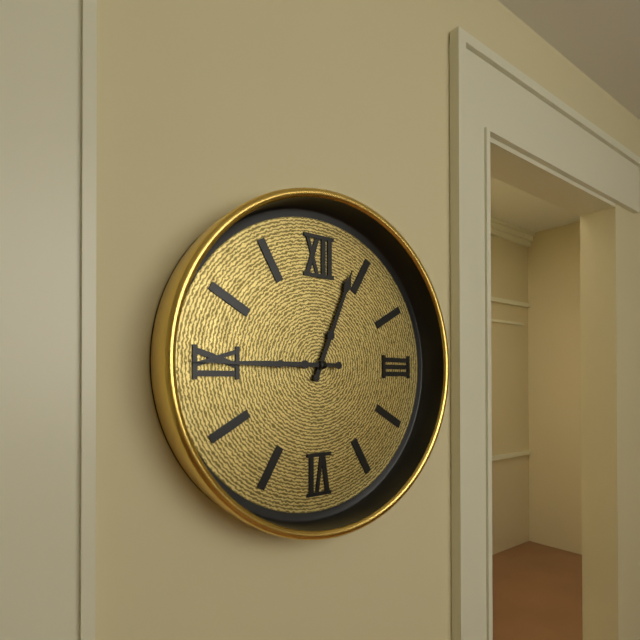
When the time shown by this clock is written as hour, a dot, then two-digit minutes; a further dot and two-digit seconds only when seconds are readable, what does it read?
12.45
